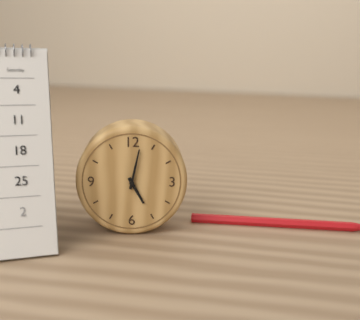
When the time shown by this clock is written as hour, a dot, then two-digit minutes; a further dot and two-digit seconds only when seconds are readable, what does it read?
5.02
